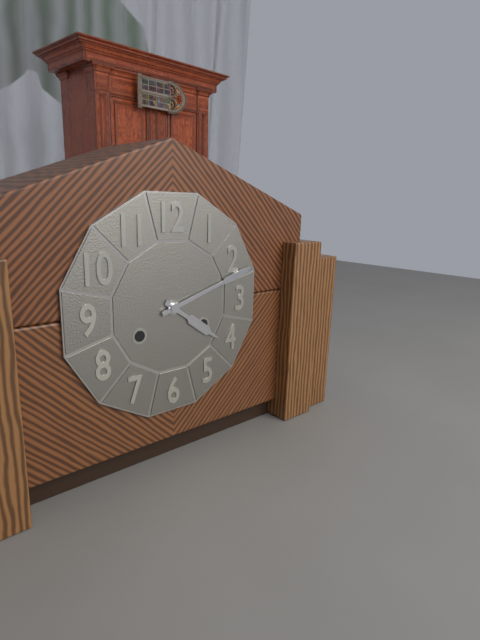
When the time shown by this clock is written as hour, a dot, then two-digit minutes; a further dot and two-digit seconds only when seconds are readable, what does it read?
4.12
